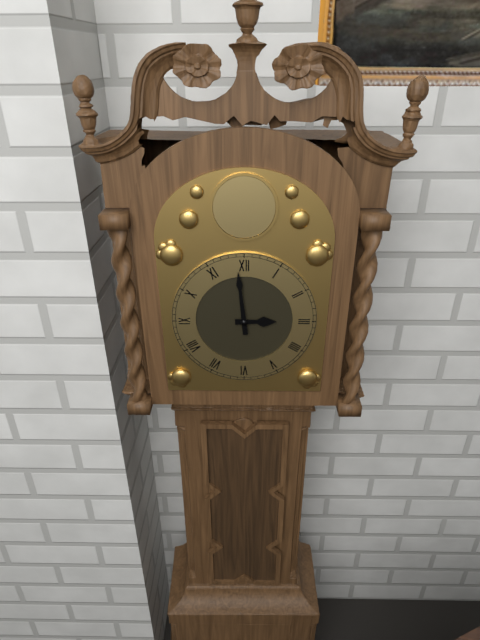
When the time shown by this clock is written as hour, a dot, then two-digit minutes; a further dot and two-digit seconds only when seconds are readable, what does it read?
2.59
